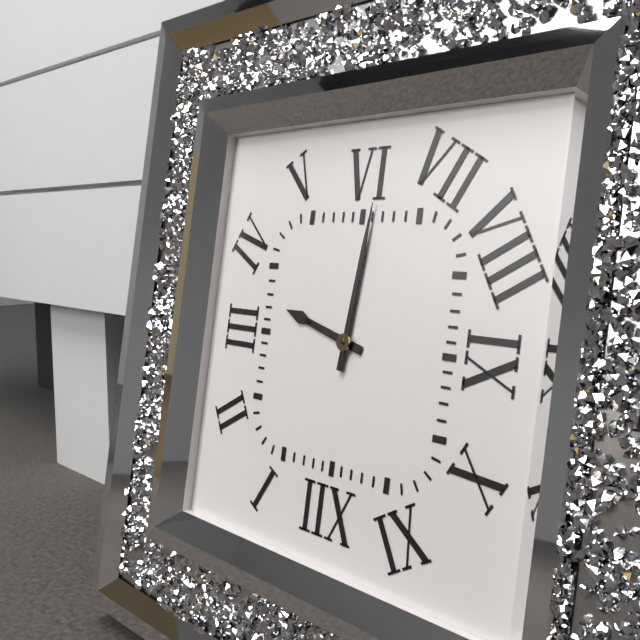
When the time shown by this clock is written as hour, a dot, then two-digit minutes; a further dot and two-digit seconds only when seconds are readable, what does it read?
3.31
